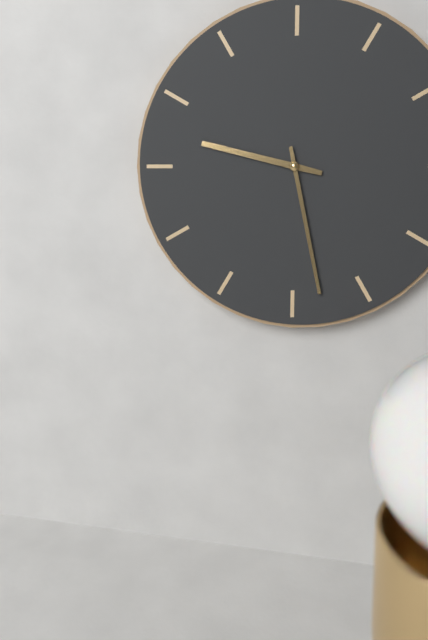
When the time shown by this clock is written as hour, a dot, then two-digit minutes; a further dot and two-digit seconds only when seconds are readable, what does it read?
9.28
